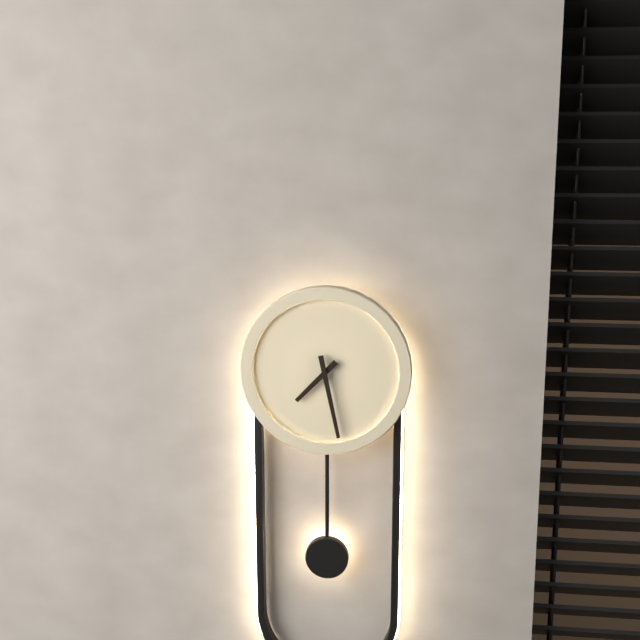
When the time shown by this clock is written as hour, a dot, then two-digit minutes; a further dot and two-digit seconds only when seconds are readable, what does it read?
7.28
